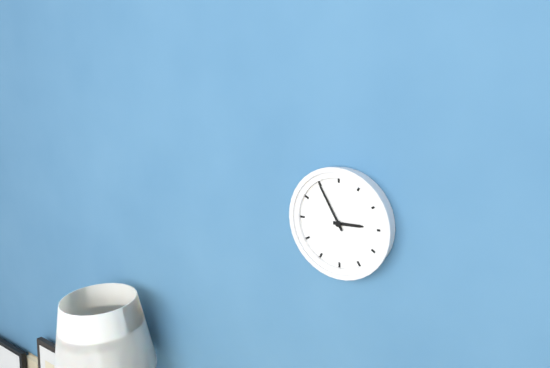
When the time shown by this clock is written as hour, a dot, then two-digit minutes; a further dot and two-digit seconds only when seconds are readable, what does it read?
2.55
